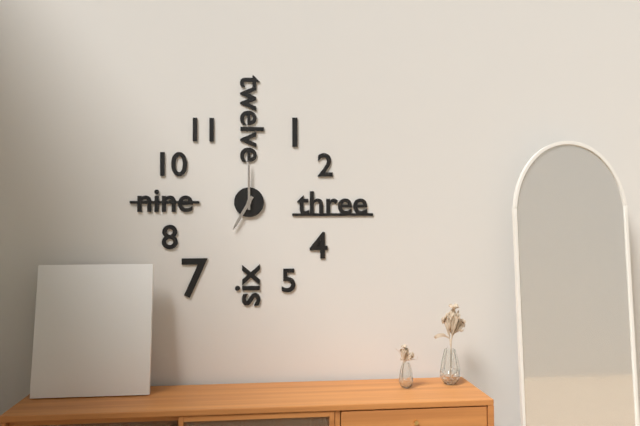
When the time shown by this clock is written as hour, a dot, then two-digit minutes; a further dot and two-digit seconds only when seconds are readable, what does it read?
7.00
